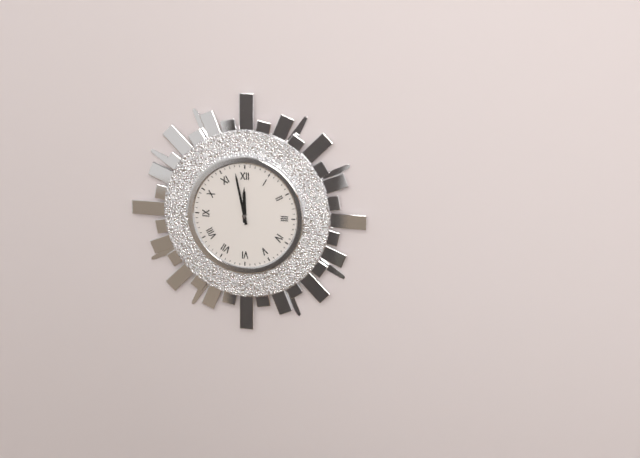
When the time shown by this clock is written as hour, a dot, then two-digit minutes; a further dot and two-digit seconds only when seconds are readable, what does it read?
11.58
